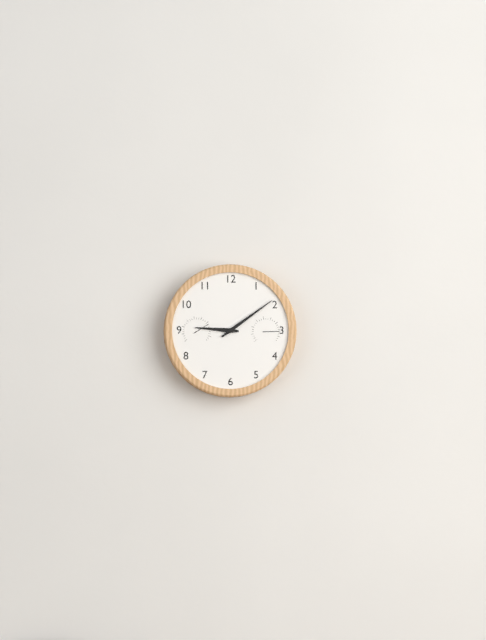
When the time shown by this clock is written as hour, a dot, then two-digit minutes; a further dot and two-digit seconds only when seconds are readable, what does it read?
9.09
